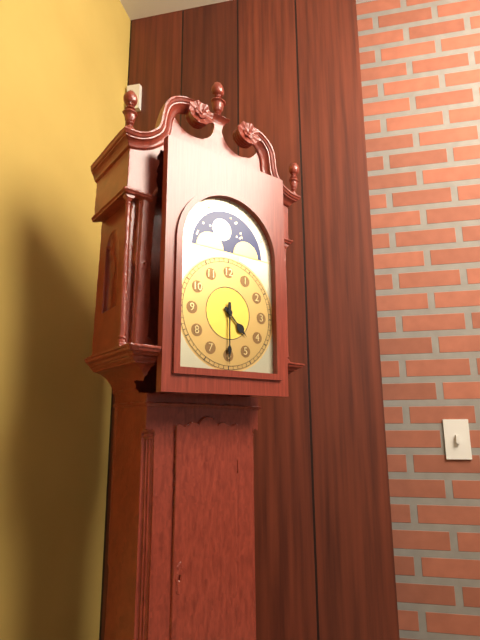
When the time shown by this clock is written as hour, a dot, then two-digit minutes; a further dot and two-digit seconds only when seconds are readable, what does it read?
4.30
